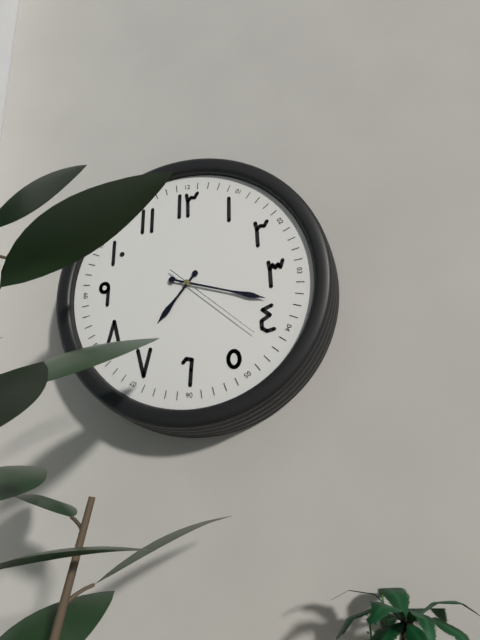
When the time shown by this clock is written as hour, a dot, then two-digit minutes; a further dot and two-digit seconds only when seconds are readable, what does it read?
7.18.22
